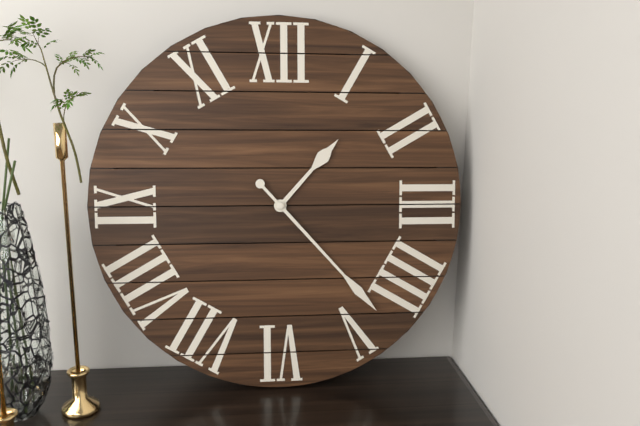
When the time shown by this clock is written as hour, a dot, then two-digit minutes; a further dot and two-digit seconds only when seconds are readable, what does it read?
1.23
